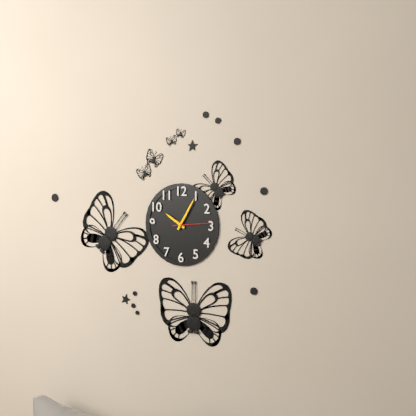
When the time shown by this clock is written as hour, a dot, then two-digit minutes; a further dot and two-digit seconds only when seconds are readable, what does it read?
10.05
